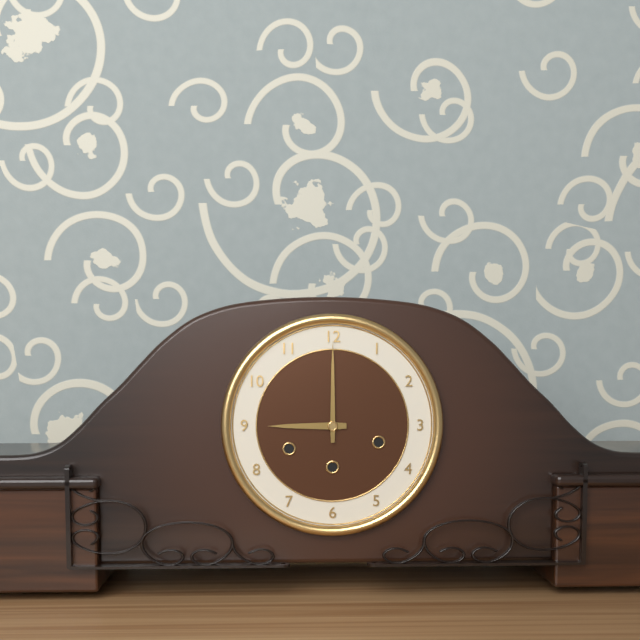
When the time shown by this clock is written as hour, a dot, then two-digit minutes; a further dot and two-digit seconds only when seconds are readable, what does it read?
9.00
